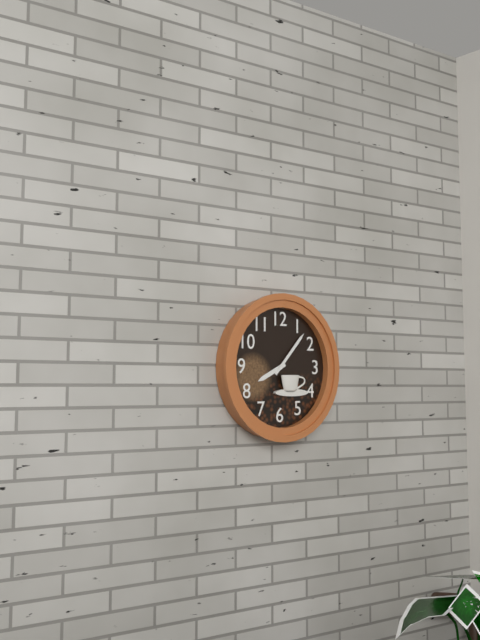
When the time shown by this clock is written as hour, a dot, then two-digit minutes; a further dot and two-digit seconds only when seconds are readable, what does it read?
8.07
